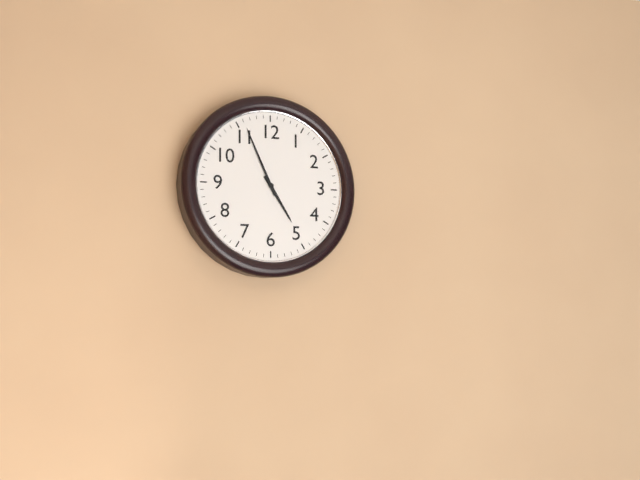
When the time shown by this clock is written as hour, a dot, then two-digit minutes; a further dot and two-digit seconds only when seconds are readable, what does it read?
4.56
